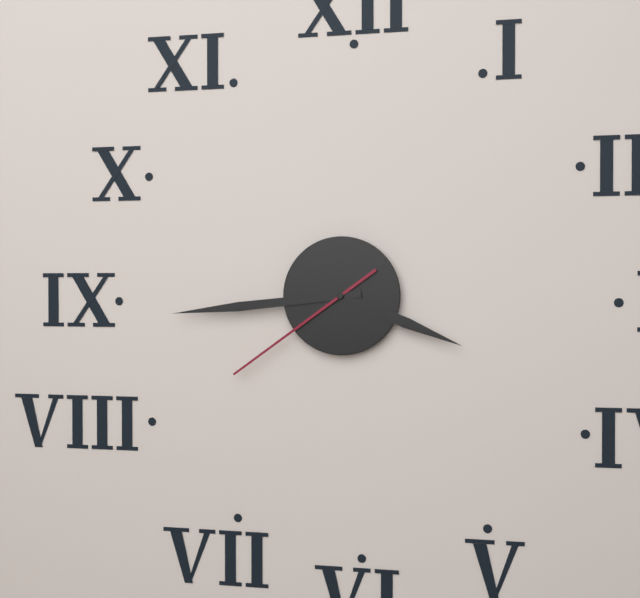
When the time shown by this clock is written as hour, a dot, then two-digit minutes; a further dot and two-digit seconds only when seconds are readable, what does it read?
3.44.39
